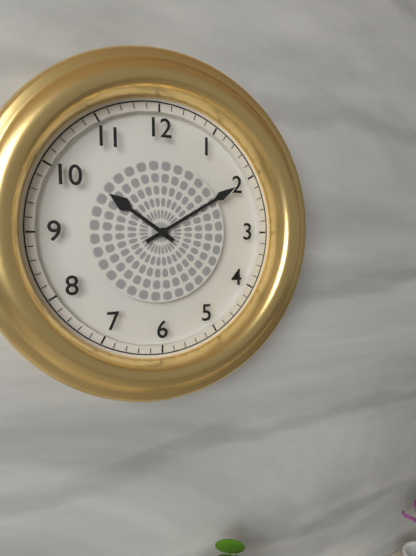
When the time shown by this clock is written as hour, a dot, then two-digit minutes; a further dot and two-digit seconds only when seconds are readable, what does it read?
10.10
